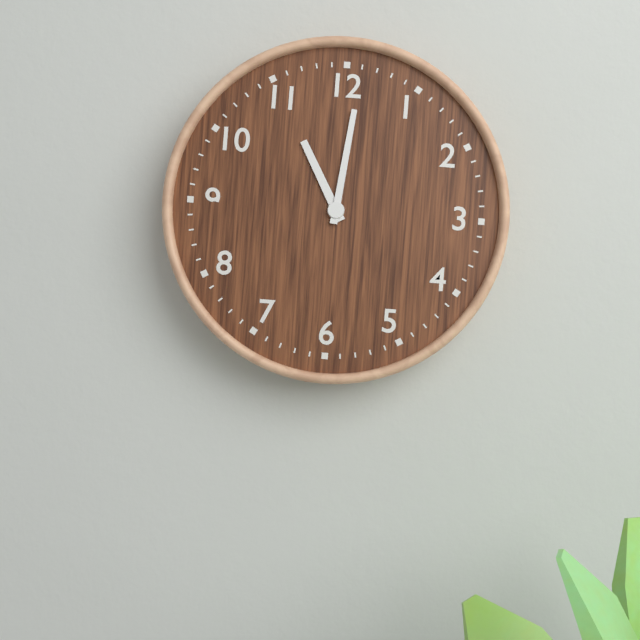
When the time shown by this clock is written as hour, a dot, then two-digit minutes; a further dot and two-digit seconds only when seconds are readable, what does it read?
11.01
